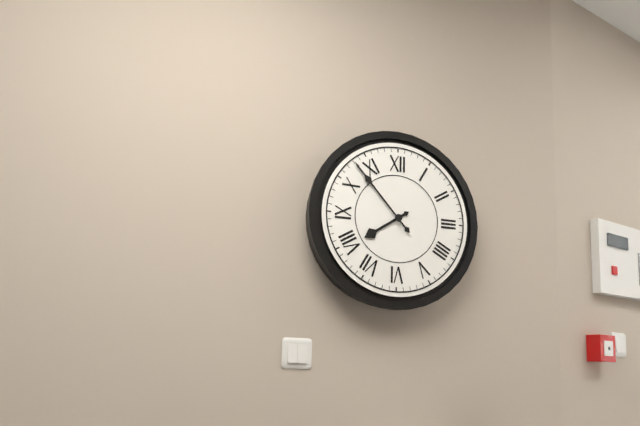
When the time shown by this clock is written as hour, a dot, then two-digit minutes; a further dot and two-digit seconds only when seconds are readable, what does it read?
7.53
